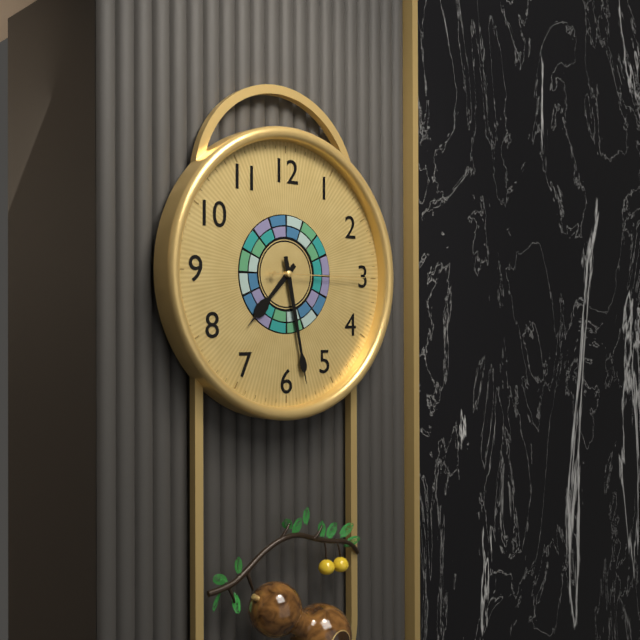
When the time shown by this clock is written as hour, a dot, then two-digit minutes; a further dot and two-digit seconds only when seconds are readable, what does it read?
7.28.15
